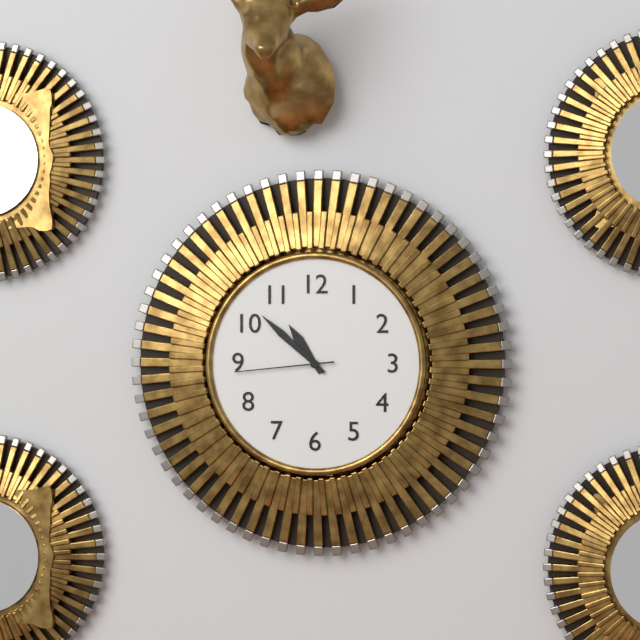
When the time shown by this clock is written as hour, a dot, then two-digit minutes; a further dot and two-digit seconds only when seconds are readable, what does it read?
10.52.44
